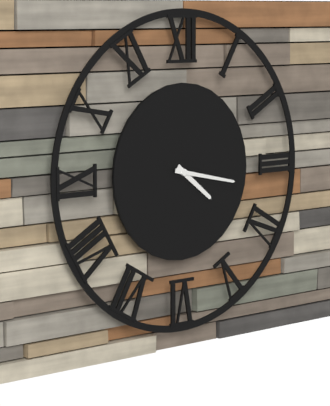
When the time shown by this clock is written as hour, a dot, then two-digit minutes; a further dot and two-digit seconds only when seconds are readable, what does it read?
4.17
